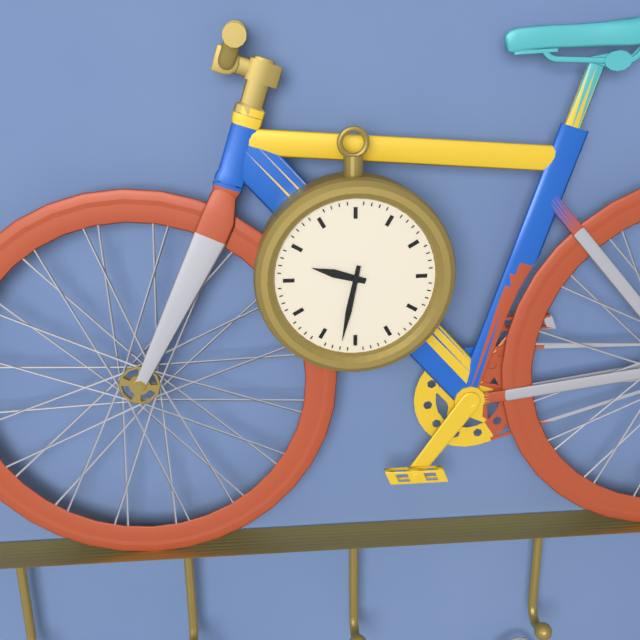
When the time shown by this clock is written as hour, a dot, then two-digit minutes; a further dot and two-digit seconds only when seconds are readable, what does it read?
9.32
